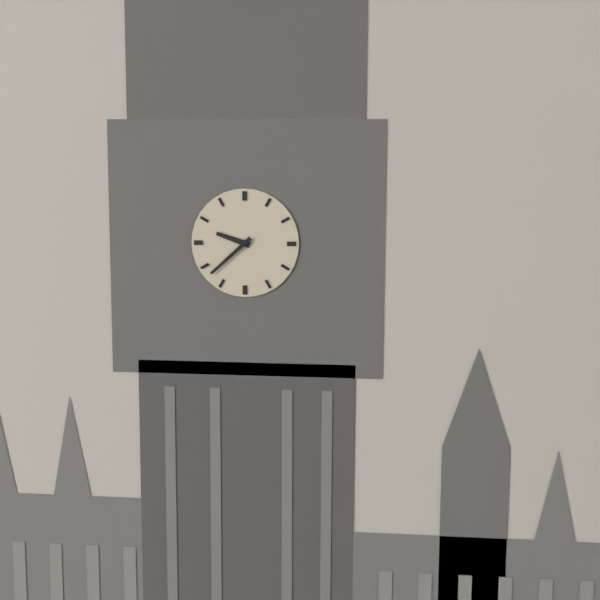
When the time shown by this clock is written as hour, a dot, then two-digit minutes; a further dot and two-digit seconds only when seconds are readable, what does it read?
9.38
